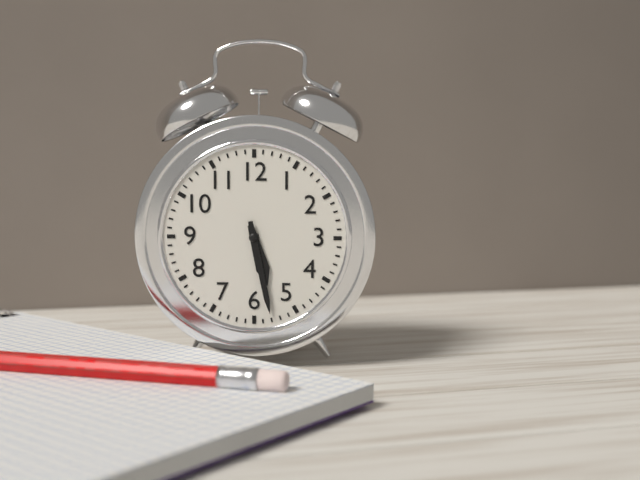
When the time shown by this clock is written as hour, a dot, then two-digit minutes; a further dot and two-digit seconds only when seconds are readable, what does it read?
5.28
